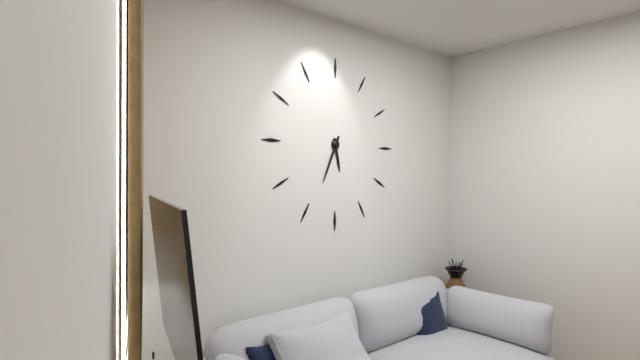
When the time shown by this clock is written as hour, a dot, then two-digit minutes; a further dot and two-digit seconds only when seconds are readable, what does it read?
5.34
